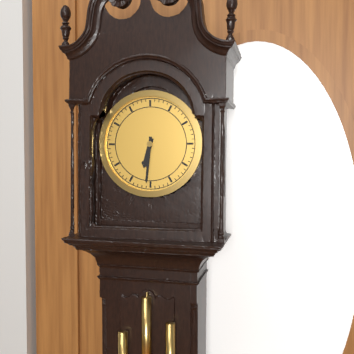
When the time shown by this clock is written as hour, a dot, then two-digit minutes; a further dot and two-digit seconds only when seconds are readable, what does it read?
6.31
